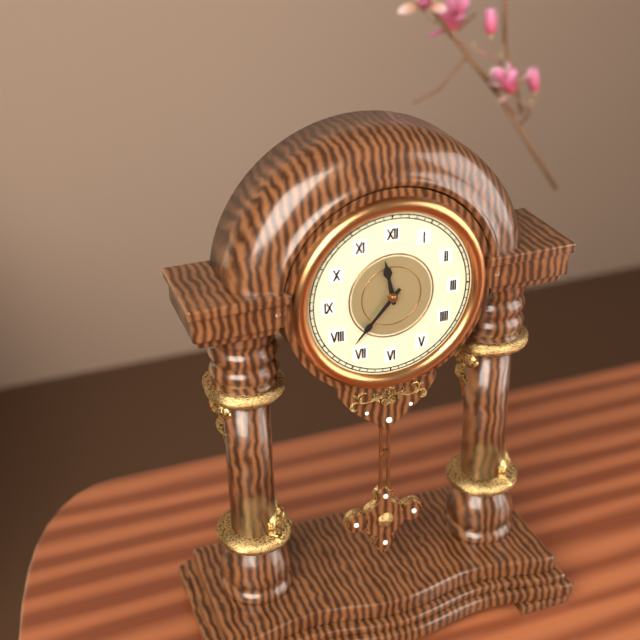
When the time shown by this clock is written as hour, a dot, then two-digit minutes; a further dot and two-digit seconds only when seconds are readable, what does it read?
11.37
